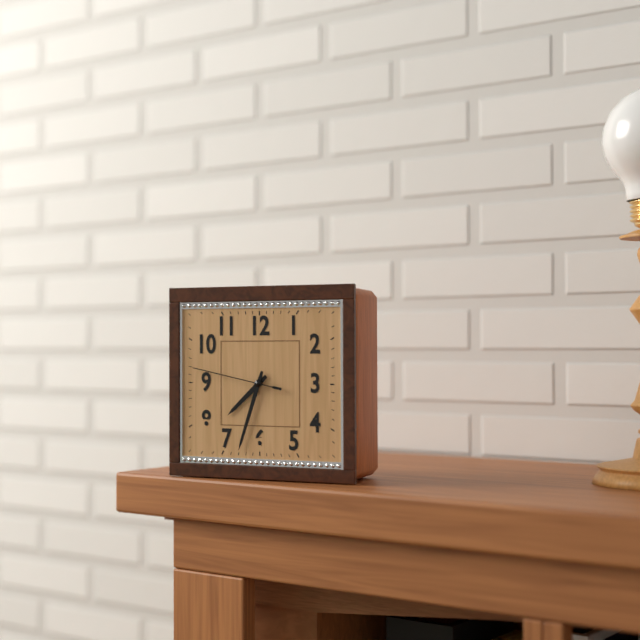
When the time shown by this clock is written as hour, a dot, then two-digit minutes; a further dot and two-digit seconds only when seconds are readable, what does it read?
7.33.47
